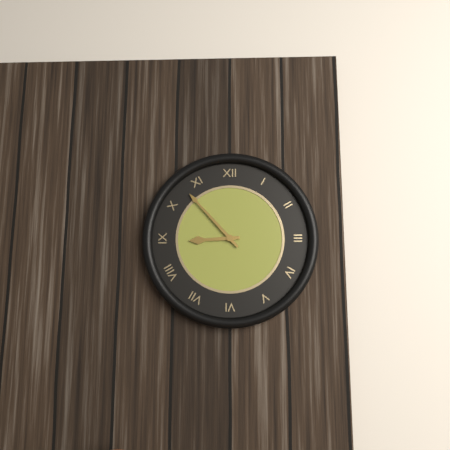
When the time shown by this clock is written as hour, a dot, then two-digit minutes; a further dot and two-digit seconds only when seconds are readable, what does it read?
8.53
